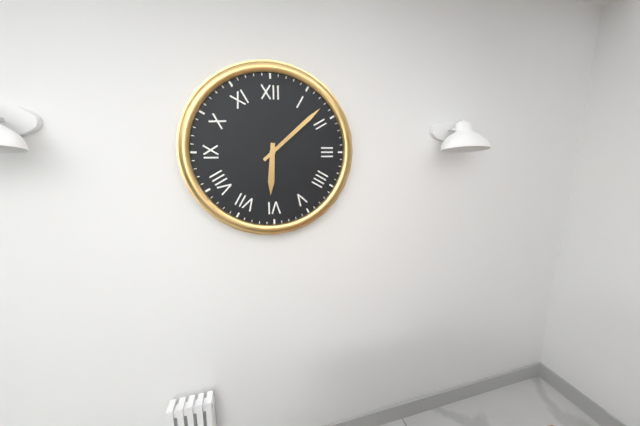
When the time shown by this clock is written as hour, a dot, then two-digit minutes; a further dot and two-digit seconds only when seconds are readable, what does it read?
6.08
